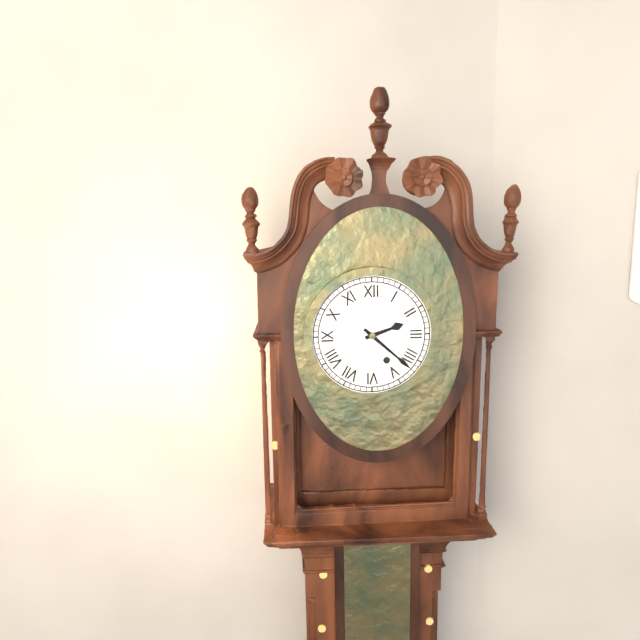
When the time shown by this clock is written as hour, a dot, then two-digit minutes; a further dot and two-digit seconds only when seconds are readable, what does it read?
2.22
